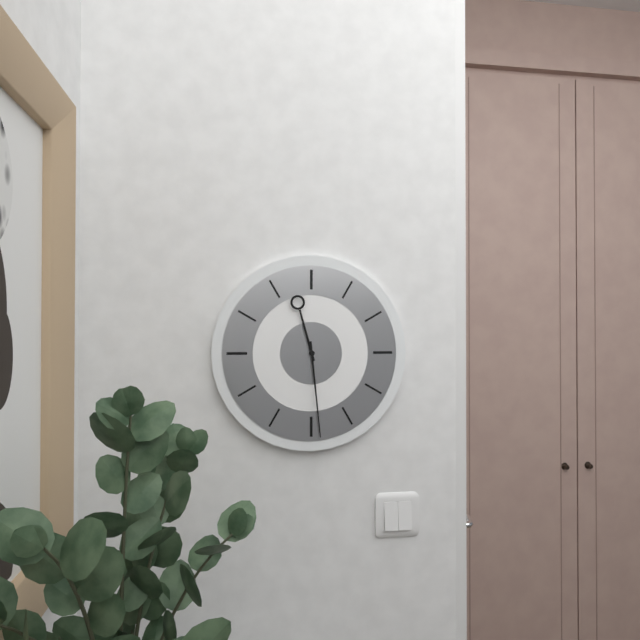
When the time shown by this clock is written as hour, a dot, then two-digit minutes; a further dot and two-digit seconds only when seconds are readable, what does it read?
11.29
